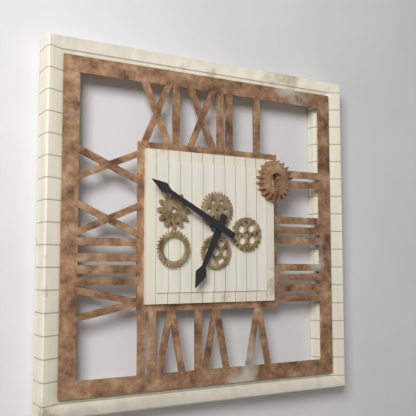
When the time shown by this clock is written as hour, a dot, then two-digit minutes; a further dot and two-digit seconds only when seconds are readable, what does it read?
6.50
